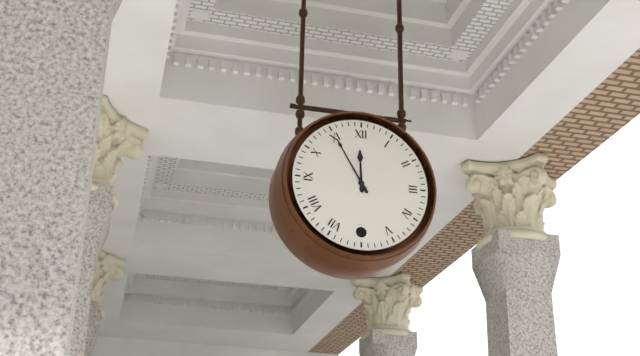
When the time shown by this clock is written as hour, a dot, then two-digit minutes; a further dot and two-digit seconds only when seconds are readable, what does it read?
11.55
